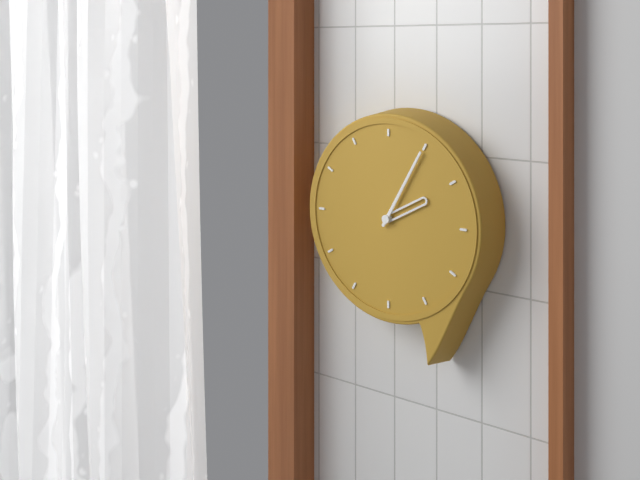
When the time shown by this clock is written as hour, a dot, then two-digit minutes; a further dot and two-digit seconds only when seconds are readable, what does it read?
2.05
